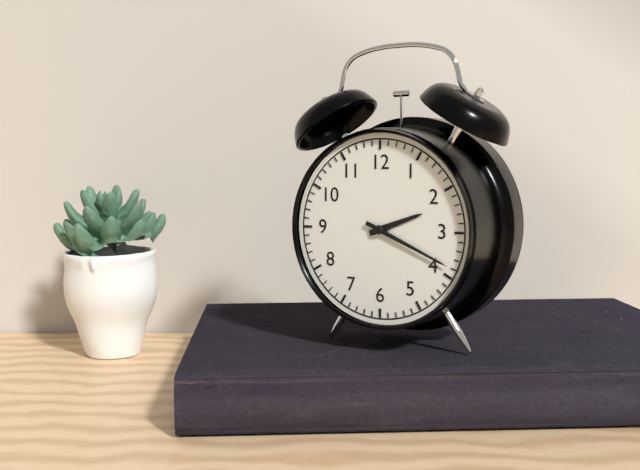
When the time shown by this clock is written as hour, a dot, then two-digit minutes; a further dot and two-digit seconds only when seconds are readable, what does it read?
2.19
